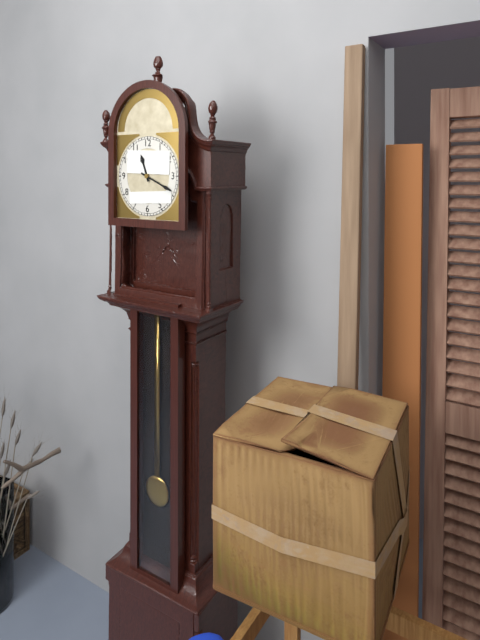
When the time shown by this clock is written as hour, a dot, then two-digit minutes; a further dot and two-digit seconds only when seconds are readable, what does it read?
11.19
